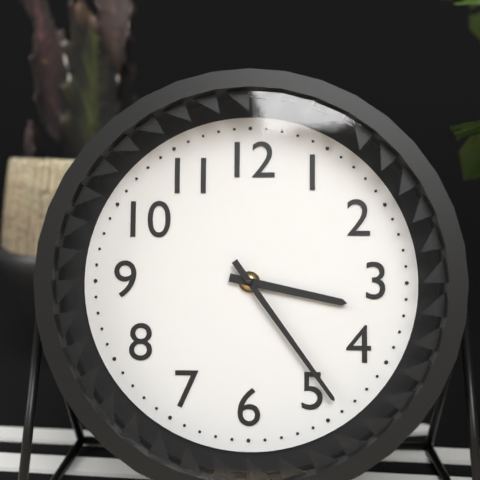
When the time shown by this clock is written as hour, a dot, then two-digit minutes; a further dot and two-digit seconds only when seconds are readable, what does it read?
3.24
